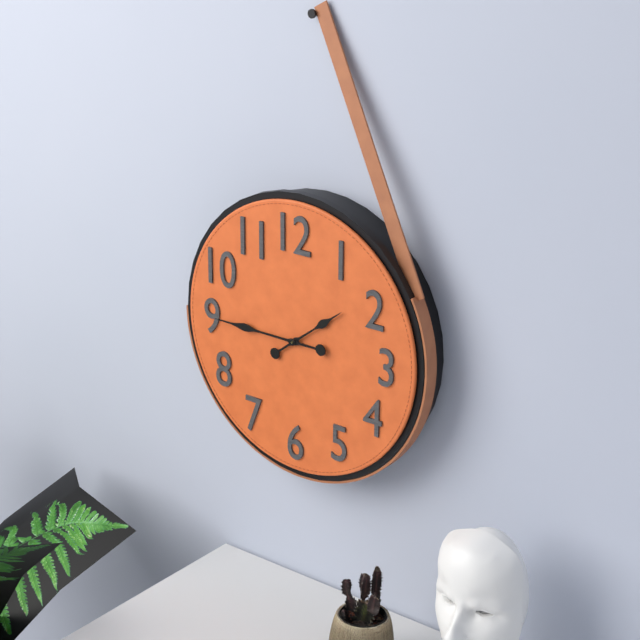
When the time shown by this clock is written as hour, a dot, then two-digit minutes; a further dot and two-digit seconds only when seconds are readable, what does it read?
1.45
